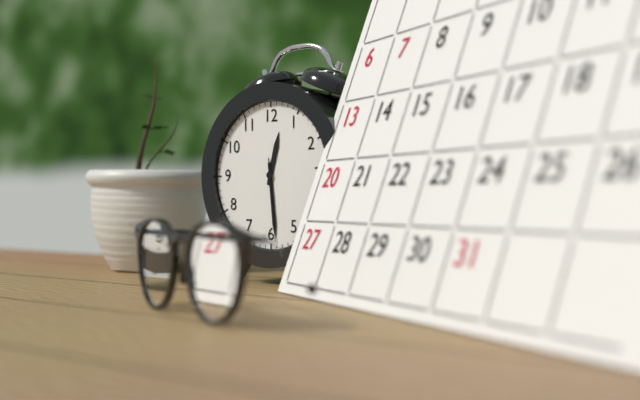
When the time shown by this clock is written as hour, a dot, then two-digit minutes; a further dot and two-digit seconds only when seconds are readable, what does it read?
12.29.29
